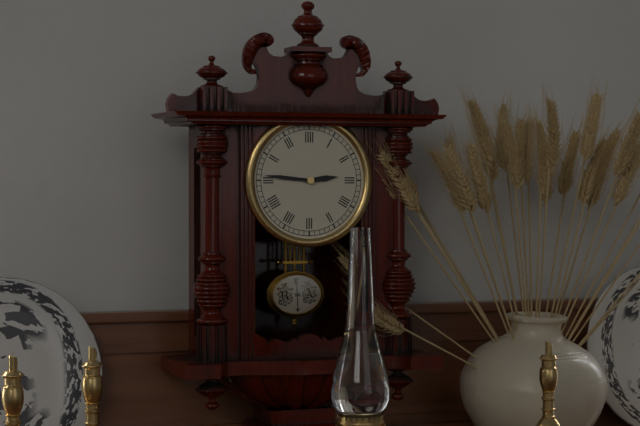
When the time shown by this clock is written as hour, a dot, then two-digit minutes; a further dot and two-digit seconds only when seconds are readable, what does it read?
2.46
